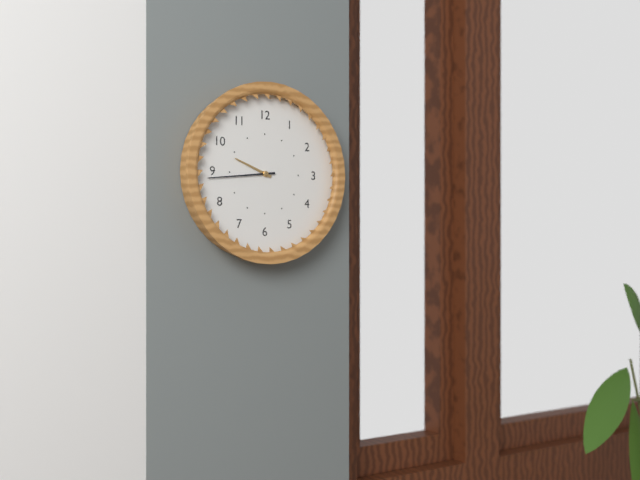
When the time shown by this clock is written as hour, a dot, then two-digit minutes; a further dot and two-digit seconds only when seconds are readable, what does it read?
9.44
